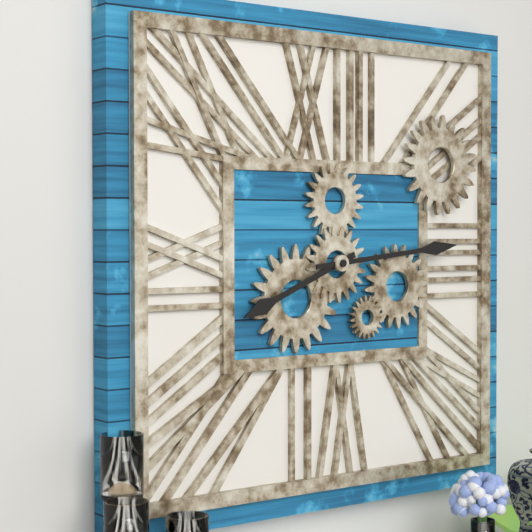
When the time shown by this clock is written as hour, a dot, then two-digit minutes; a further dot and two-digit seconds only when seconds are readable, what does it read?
8.14
